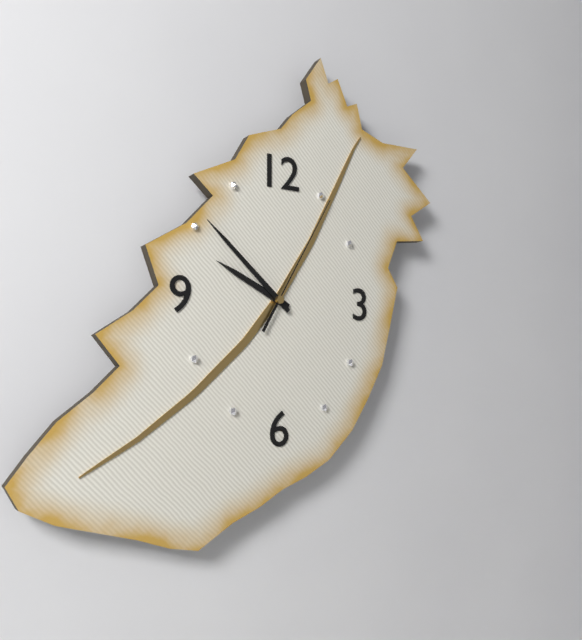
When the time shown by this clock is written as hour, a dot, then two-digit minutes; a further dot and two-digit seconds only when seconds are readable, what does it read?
9.52.05
